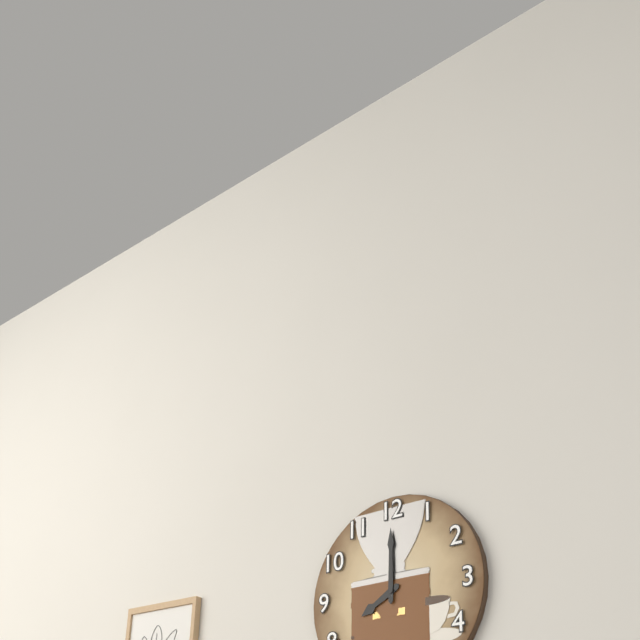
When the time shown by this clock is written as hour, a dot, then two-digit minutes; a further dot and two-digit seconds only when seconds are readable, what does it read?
8.00
